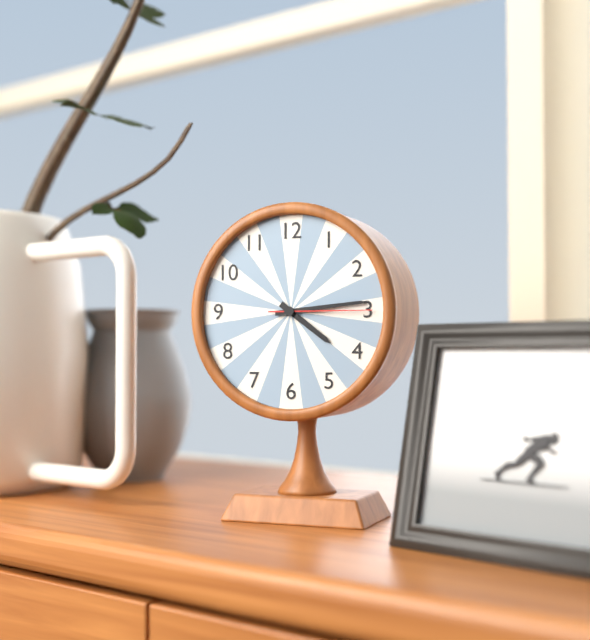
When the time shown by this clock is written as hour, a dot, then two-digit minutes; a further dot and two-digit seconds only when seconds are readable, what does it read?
4.14.15
